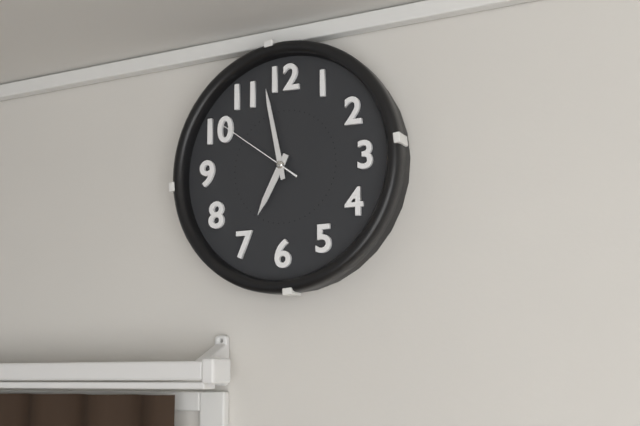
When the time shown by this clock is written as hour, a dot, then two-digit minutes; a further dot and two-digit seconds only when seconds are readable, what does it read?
6.58.51
